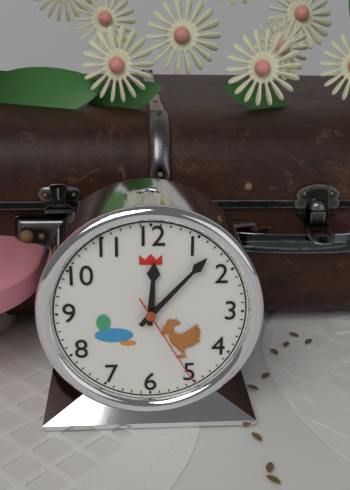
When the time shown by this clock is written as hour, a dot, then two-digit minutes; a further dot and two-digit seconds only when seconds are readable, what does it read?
12.07.25
